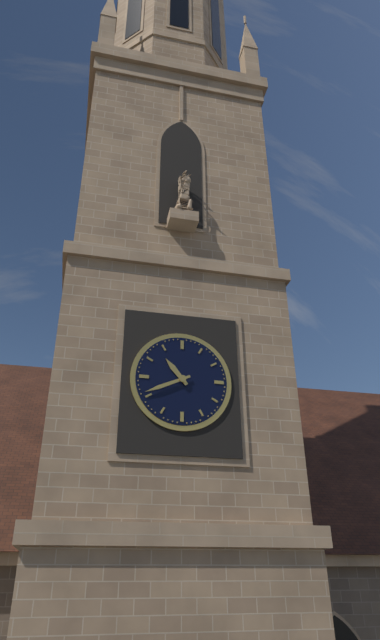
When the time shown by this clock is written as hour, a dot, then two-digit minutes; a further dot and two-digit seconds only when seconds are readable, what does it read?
10.41
